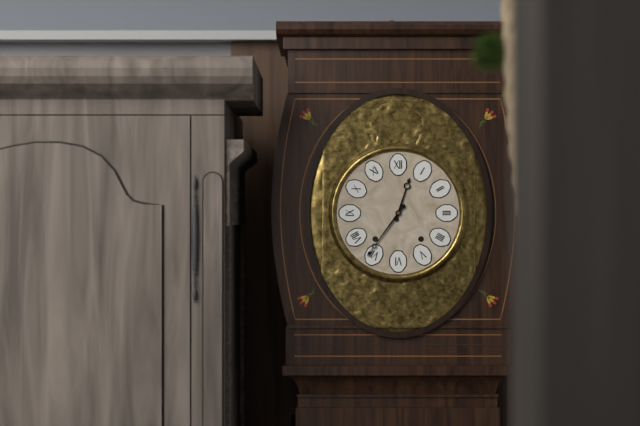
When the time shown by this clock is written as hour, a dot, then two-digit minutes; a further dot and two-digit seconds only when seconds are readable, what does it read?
12.36
